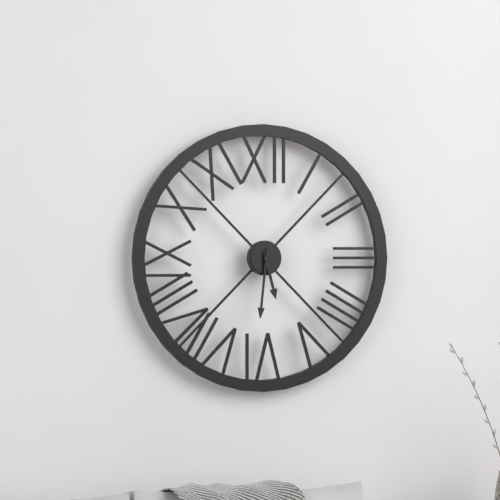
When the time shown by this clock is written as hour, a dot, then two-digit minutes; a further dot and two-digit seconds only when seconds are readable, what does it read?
5.31
